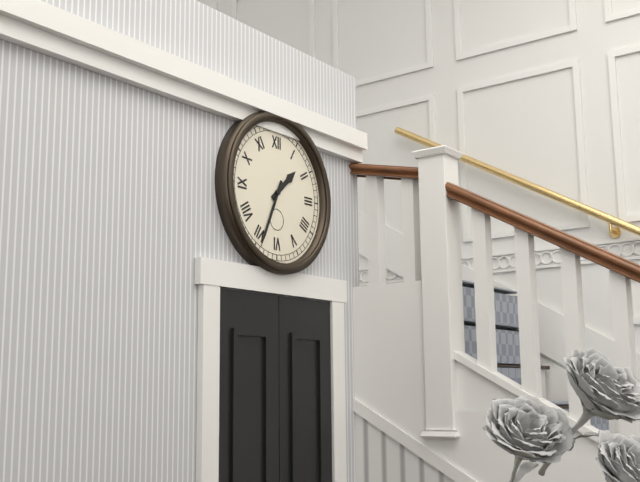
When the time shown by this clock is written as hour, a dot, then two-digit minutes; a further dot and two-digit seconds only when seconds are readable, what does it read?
1.34
